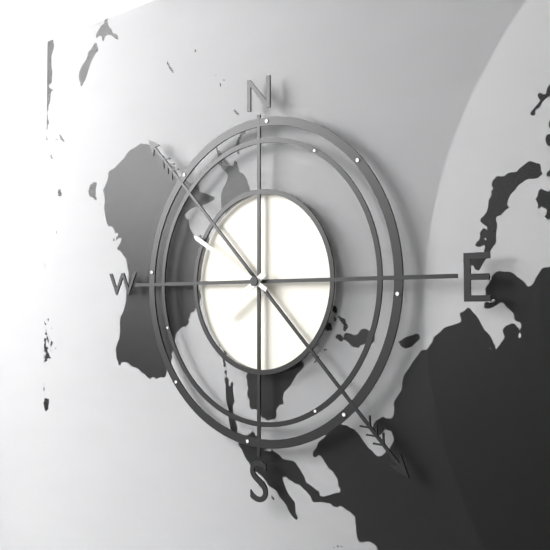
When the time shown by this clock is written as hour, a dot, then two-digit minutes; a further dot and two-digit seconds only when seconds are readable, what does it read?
7.50
